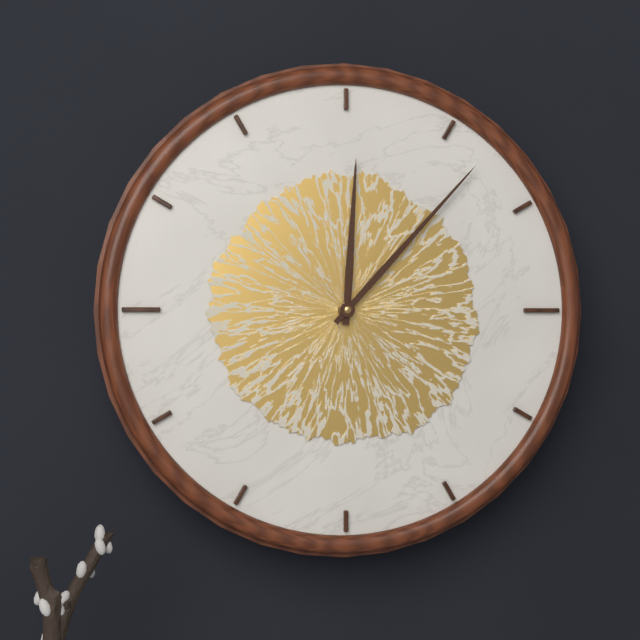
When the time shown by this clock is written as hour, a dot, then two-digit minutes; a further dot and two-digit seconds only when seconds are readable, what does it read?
12.07
